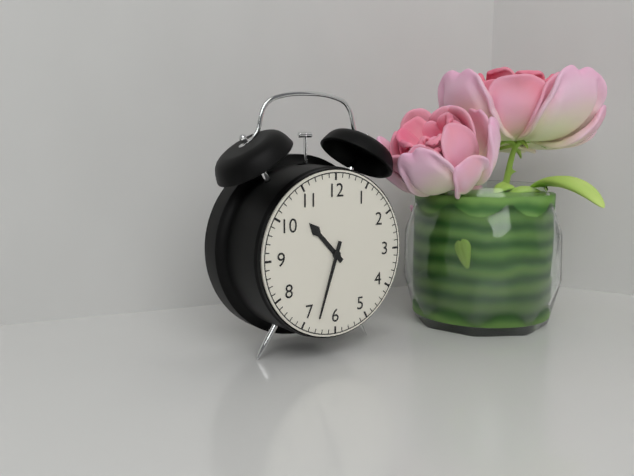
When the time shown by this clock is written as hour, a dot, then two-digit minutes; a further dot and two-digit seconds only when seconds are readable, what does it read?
10.33
